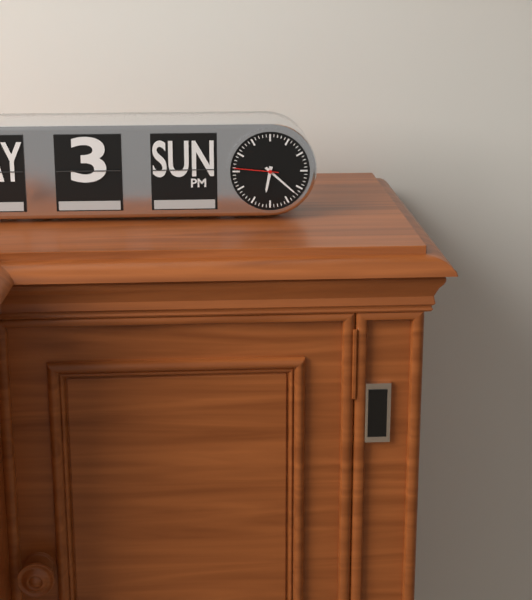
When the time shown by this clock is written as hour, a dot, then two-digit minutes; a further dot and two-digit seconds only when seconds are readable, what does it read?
6.22
